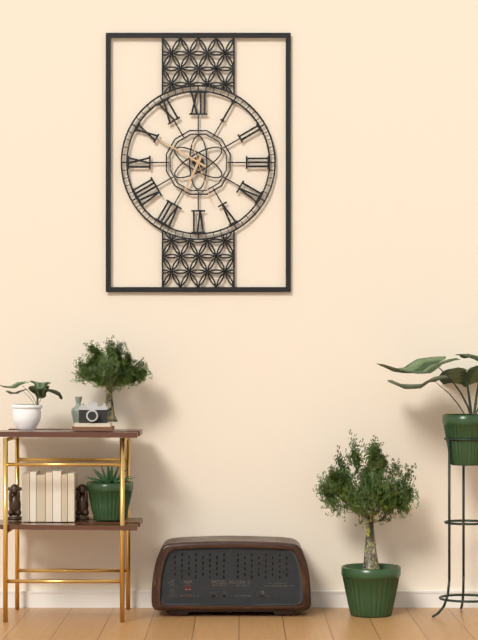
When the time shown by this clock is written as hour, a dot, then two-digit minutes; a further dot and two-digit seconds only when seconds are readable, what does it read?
6.50.27
